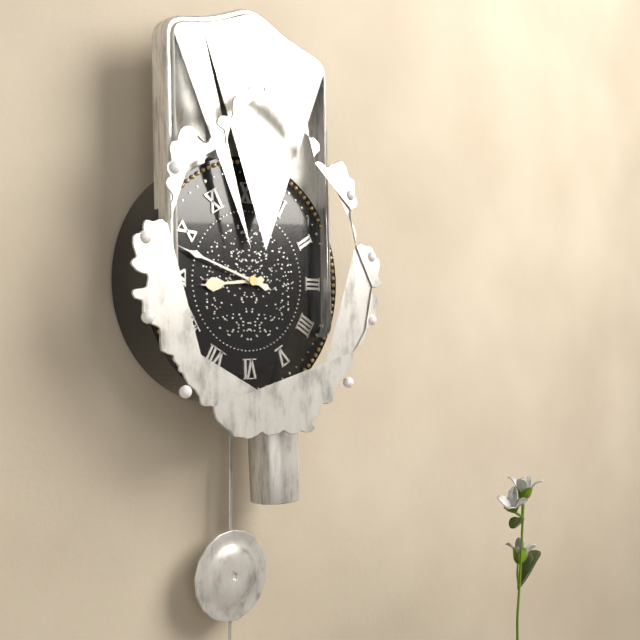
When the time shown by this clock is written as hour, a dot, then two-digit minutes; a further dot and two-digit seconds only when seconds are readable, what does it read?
8.48
